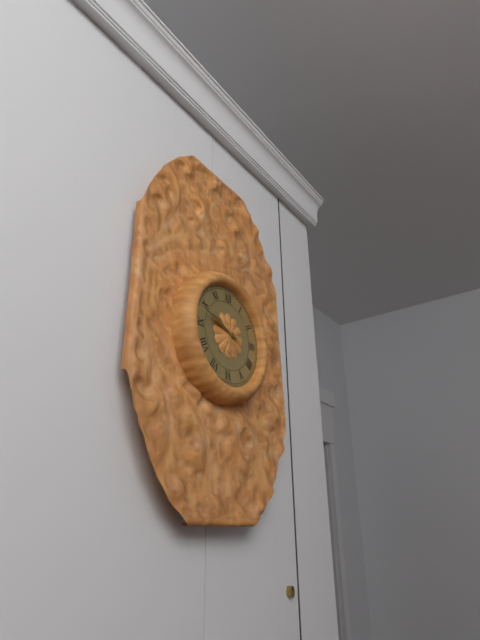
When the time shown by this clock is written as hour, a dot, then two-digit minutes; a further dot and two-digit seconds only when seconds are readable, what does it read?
9.48
